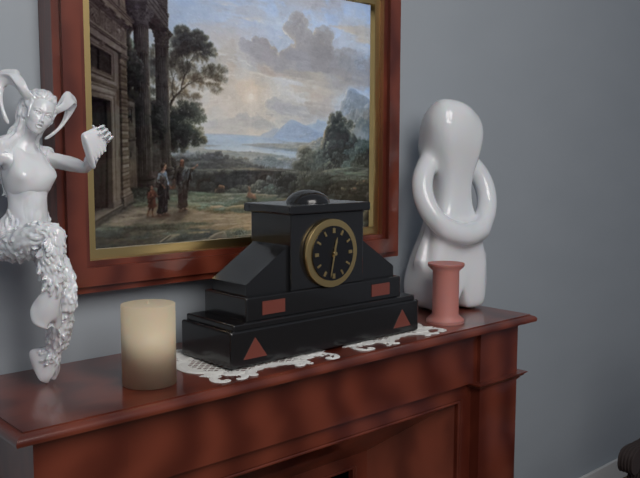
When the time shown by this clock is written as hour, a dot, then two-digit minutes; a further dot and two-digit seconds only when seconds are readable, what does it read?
12.32
